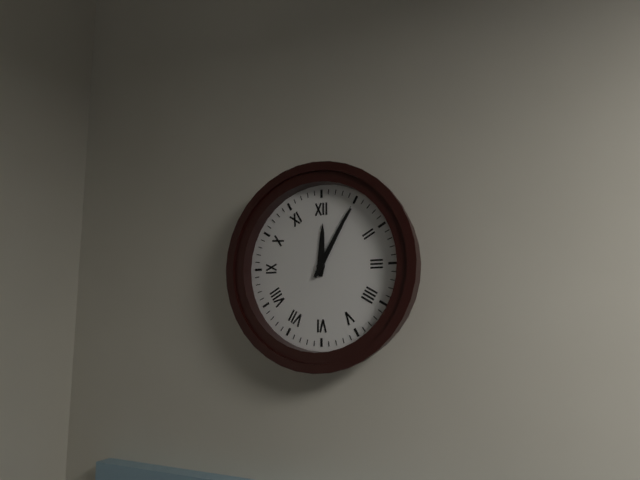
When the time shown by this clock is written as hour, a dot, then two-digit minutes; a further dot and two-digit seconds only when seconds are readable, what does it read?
12.05
